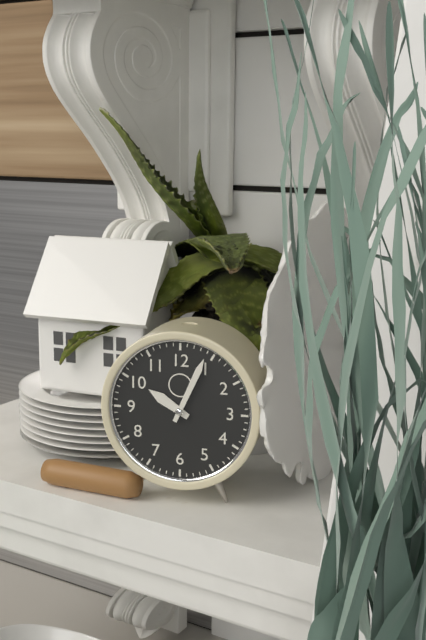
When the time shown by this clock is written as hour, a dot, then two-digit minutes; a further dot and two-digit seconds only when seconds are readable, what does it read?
10.04
